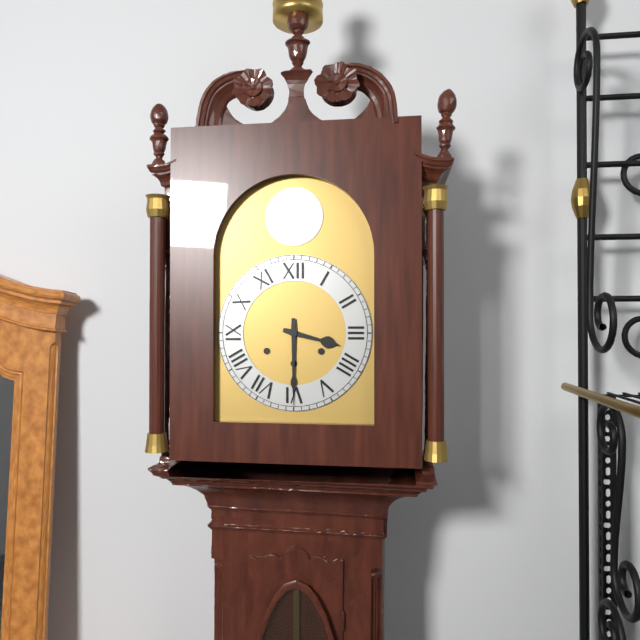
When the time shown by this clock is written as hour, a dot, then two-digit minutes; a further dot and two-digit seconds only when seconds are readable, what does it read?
3.30
